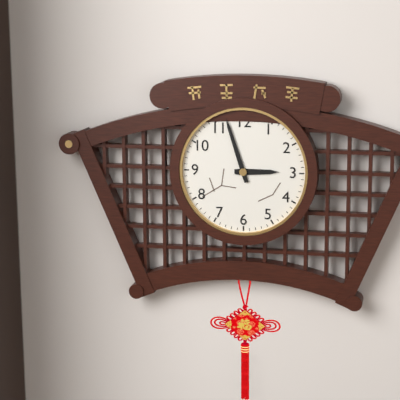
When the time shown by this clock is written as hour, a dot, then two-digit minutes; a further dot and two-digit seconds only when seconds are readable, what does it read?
2.57
